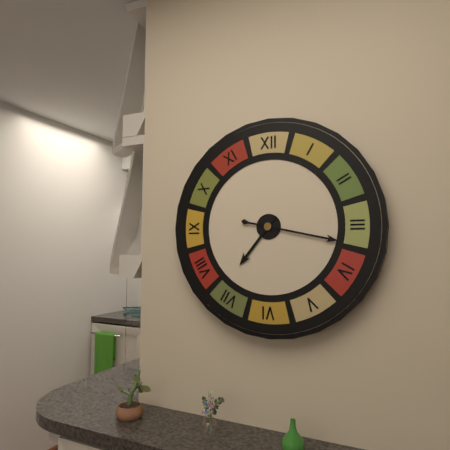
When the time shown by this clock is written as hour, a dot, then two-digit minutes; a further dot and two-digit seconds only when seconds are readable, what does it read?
7.17
